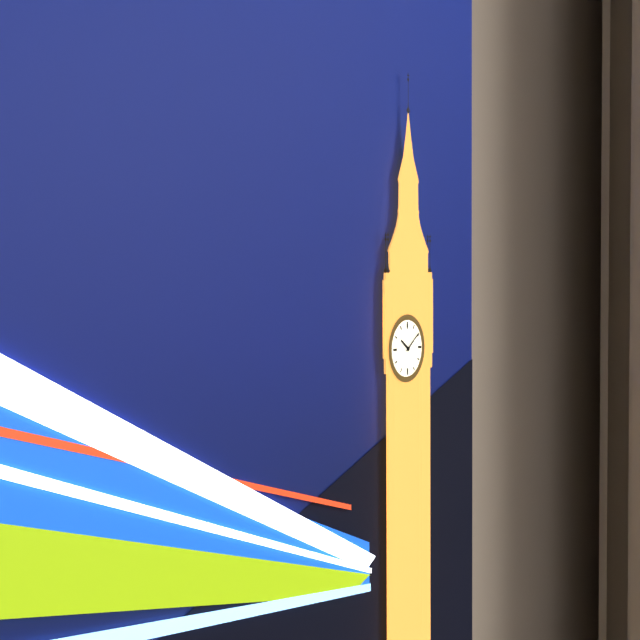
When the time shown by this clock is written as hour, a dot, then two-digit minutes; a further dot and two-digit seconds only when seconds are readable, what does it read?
10.09
